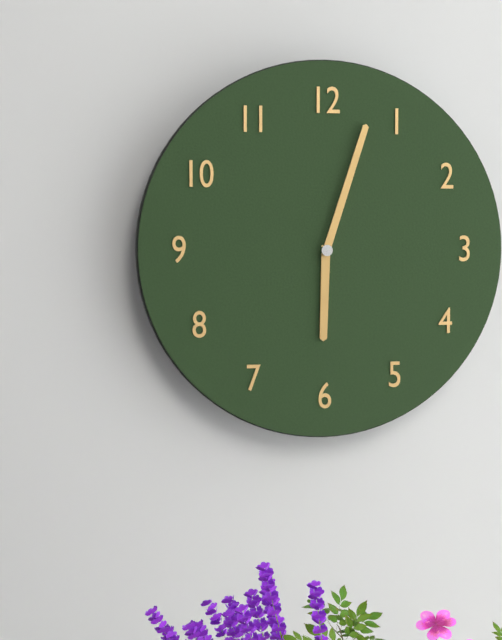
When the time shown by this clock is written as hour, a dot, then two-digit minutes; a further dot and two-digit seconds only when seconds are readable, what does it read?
6.03
